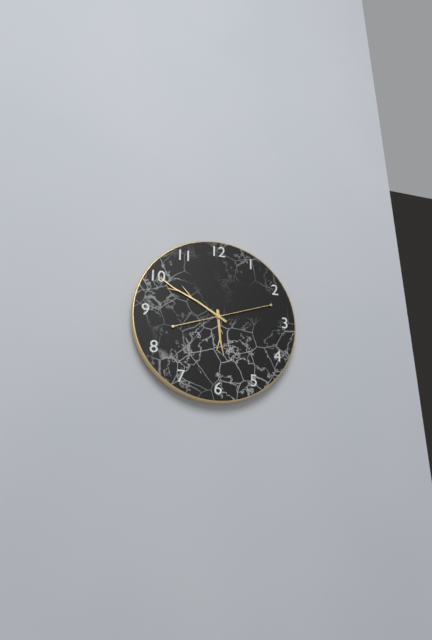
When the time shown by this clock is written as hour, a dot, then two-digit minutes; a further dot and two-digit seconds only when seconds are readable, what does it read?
5.50.12
